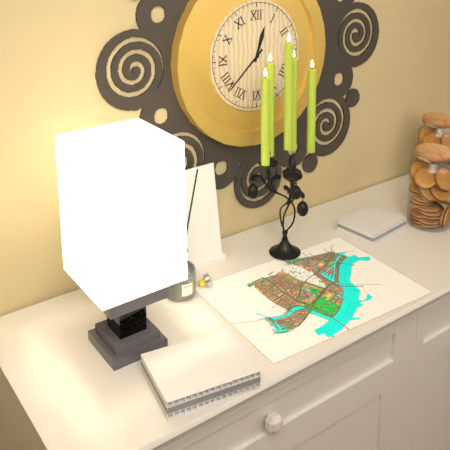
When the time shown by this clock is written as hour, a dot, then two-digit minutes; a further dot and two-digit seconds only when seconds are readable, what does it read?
12.38
